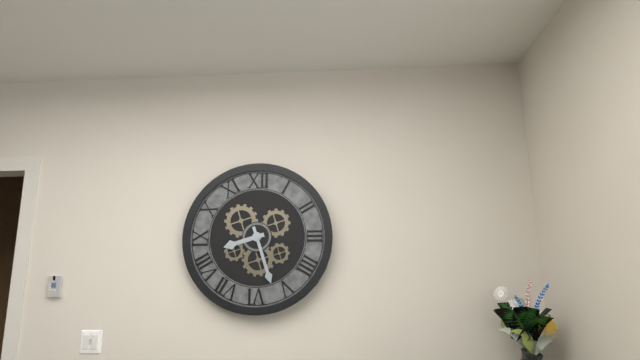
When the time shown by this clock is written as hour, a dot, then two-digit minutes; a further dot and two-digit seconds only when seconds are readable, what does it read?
8.27
